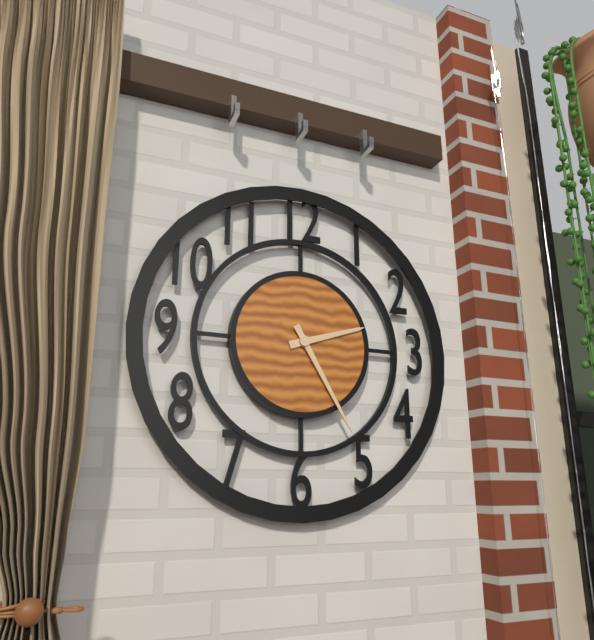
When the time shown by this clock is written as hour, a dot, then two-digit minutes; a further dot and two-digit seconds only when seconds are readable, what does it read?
2.25
